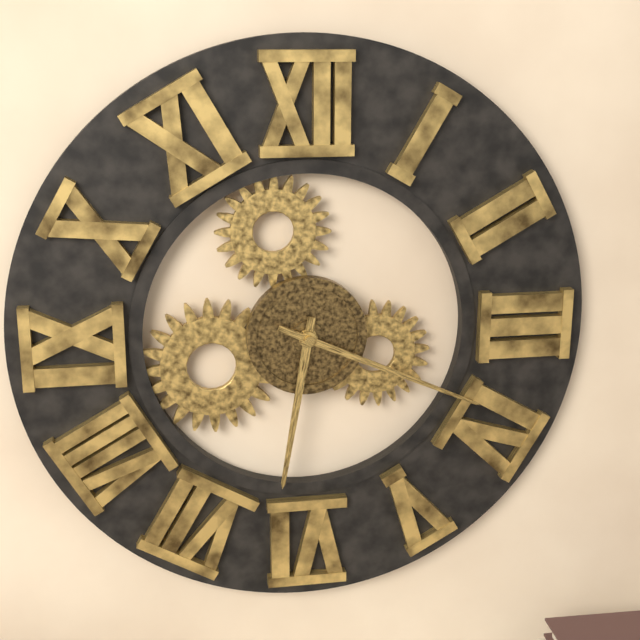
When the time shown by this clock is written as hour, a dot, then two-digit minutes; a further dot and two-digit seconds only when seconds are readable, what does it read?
6.19
